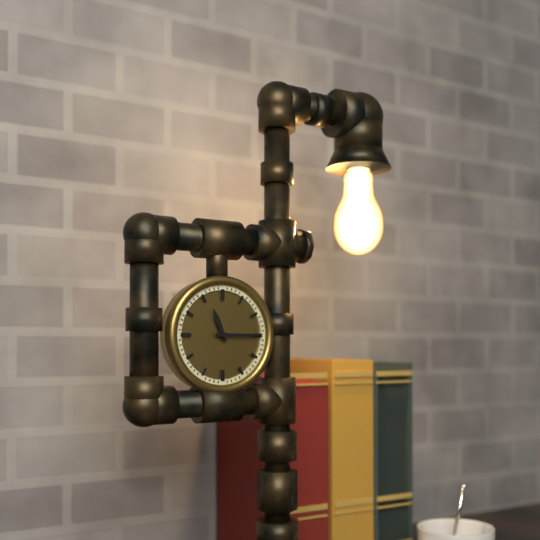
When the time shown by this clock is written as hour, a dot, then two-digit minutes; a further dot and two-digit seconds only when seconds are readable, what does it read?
11.15
